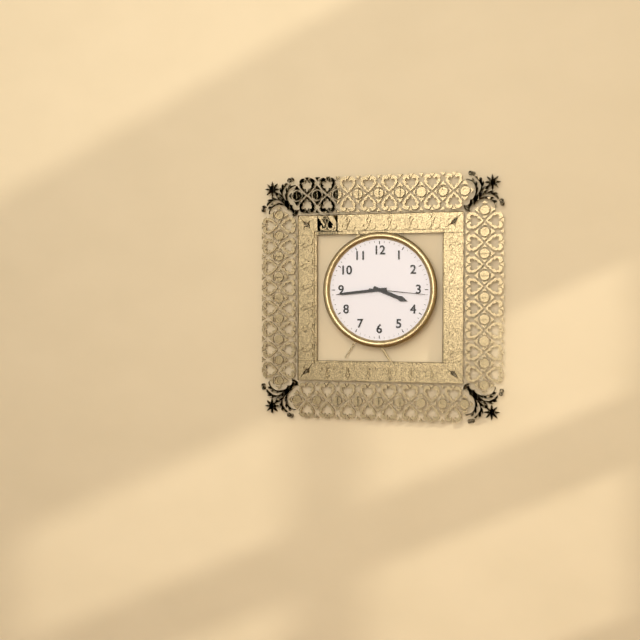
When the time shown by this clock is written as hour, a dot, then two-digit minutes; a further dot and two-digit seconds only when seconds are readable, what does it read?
3.44.16
